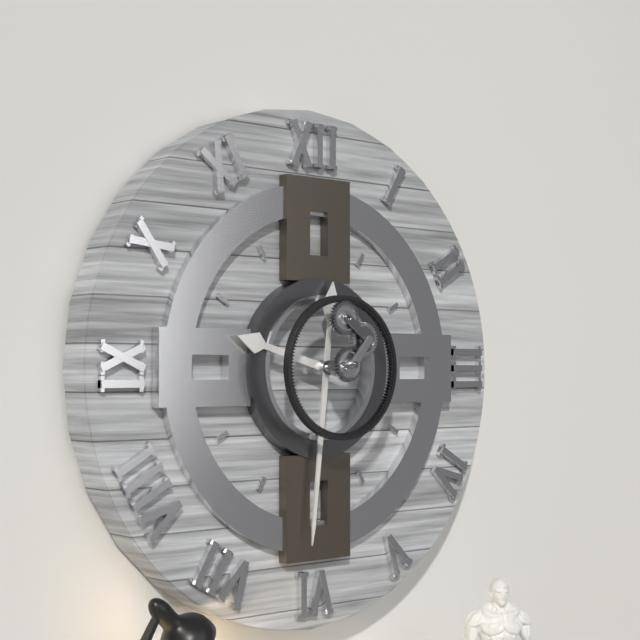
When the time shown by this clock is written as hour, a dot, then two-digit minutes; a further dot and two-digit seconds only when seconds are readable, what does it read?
9.31
